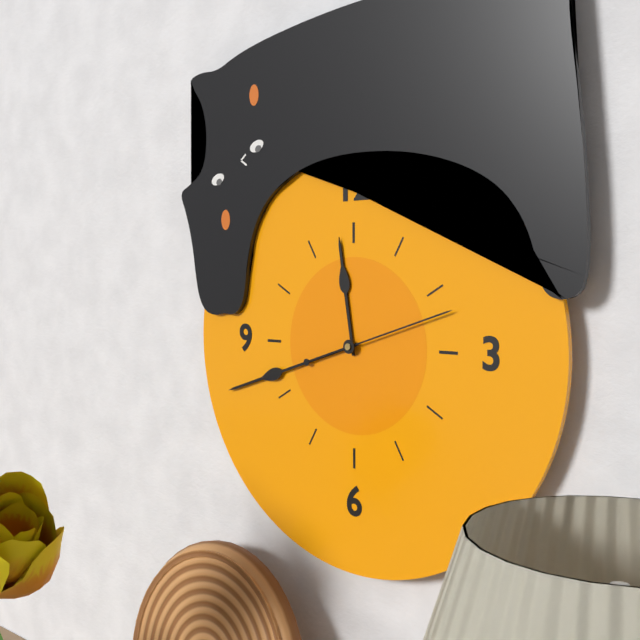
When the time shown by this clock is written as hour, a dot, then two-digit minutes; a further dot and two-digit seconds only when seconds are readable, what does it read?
11.42.12
